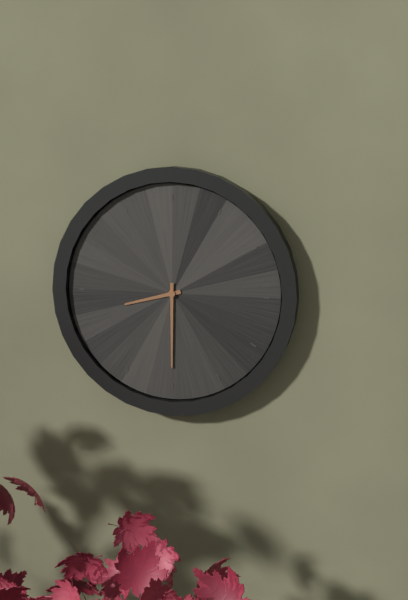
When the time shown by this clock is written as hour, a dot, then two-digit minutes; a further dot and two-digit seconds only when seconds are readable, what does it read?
8.30
